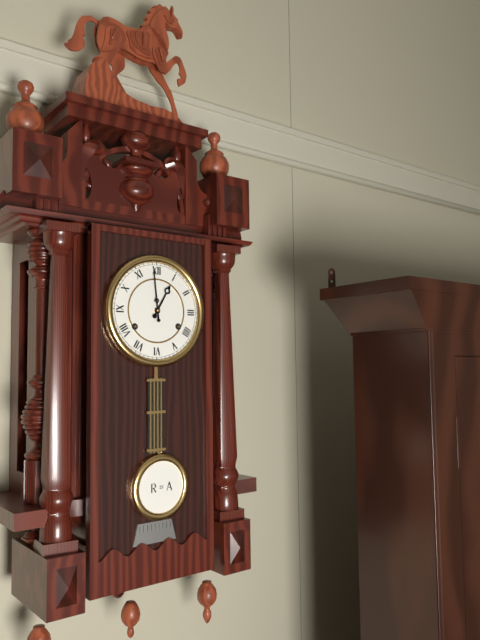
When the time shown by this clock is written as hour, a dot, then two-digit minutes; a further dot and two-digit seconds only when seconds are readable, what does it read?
12.59
